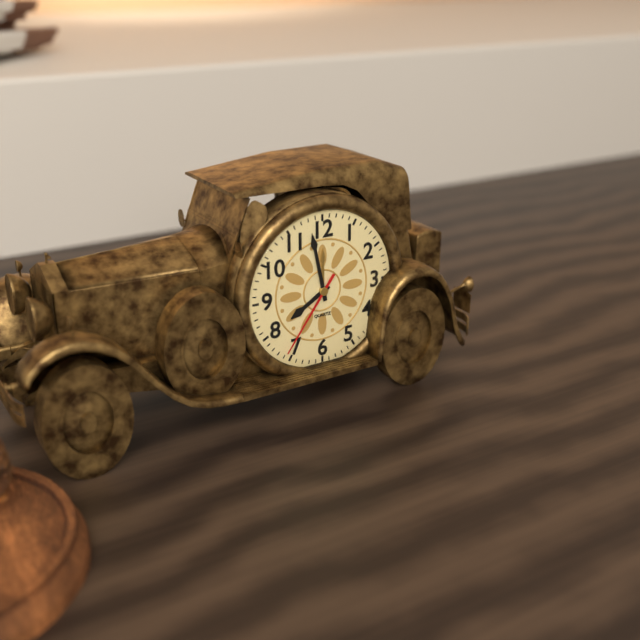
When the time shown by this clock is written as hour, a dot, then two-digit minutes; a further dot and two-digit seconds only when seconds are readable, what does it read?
7.58.36
